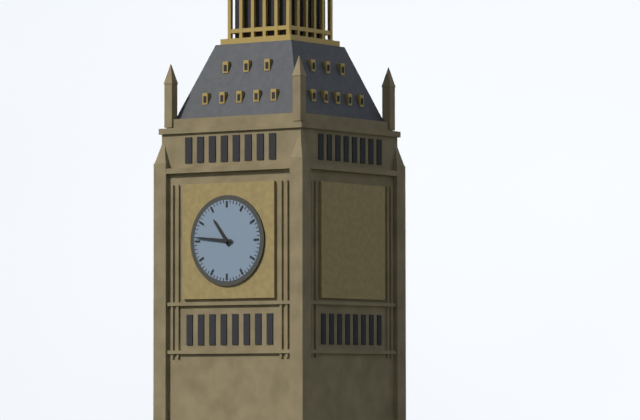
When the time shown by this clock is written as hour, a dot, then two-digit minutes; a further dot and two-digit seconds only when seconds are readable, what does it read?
10.46
